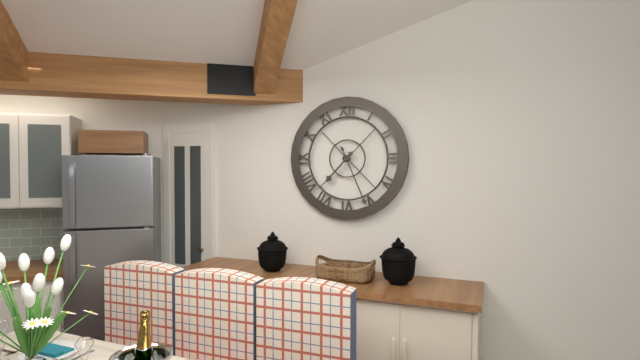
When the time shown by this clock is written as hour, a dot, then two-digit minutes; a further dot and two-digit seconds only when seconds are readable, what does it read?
7.26
